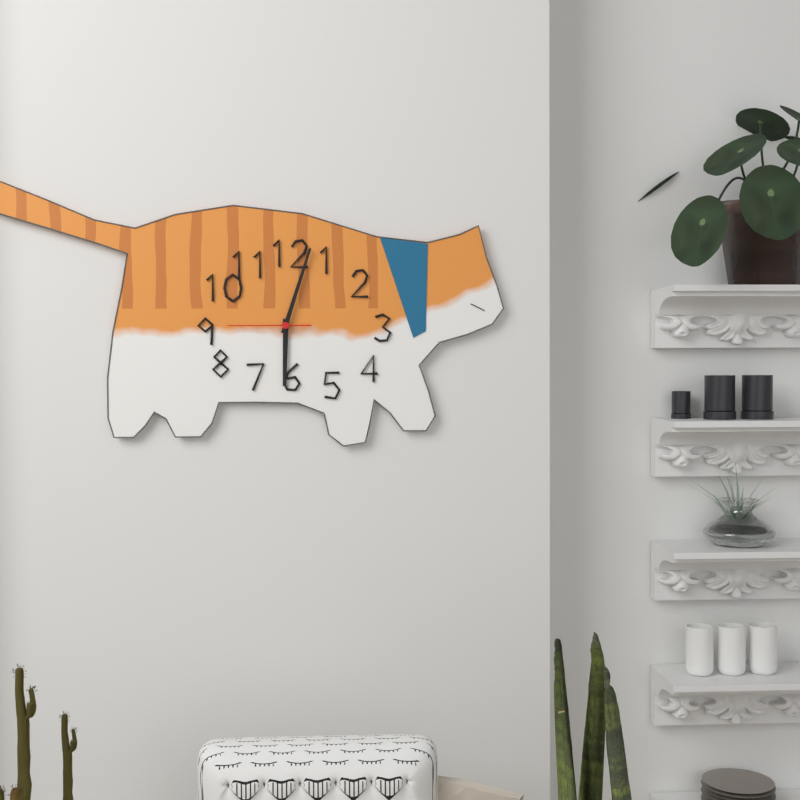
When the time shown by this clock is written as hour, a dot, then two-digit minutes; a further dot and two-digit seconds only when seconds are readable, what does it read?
6.03.45
